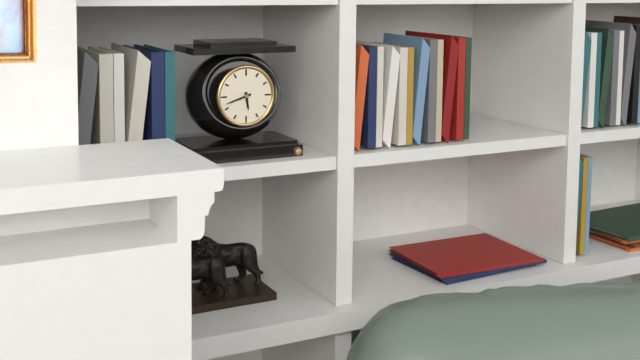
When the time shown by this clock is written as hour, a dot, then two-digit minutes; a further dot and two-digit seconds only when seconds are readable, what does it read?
5.42
